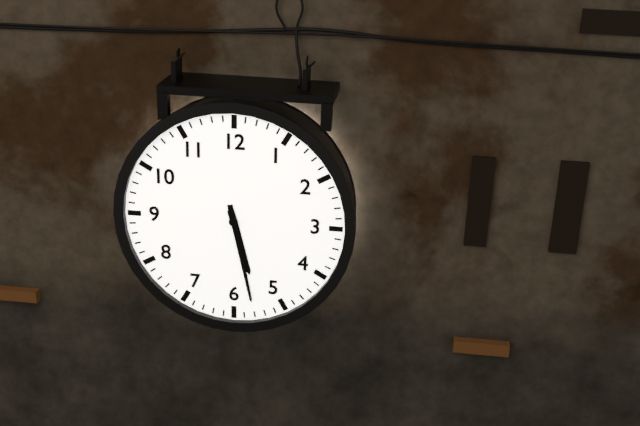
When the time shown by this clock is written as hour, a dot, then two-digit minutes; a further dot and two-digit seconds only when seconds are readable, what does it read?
5.28
